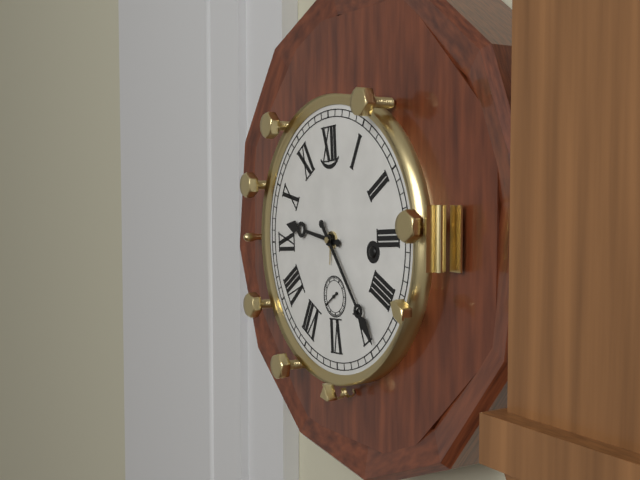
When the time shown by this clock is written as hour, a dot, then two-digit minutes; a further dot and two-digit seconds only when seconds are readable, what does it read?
9.24
